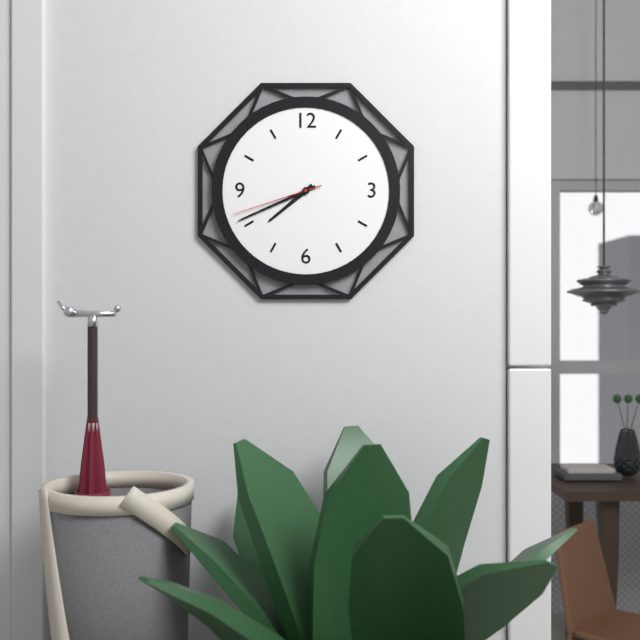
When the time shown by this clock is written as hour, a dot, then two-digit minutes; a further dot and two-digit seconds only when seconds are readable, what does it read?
7.41.42
